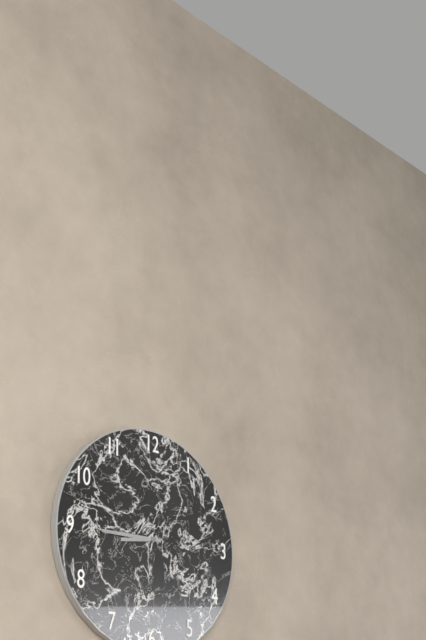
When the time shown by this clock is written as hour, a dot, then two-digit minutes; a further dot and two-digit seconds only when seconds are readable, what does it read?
8.45
